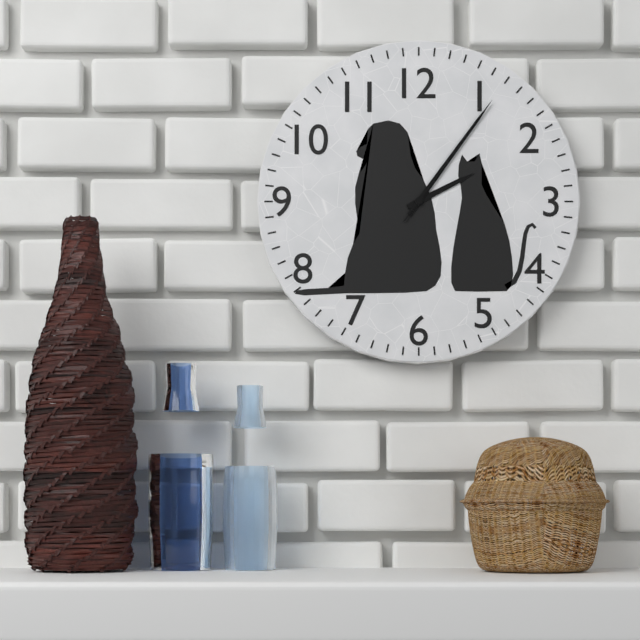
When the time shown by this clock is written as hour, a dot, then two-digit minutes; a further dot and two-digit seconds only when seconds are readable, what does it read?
2.06.06
